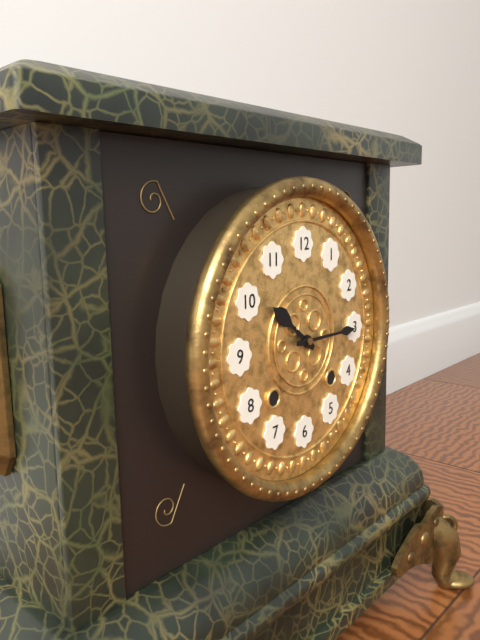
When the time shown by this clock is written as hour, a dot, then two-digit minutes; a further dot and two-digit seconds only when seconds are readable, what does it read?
10.15
